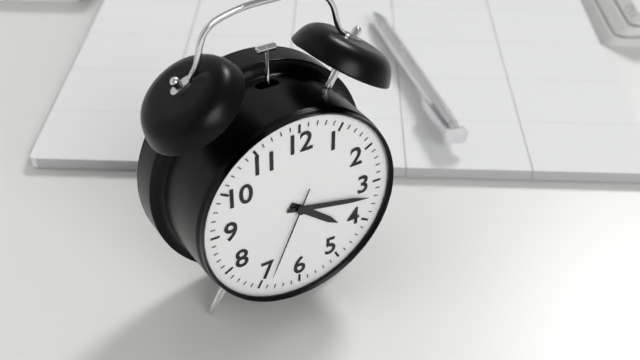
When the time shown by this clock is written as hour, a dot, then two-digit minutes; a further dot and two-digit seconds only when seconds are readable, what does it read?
4.17.34
